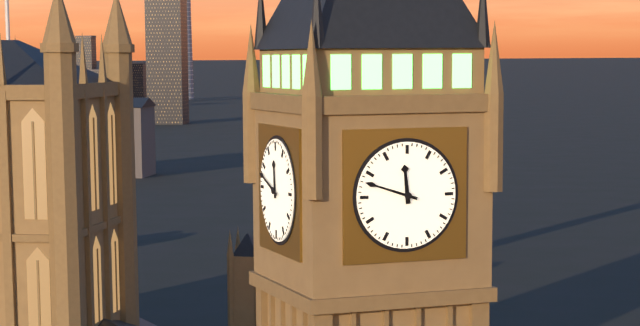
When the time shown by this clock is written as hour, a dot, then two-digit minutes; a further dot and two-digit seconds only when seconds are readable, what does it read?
11.48
